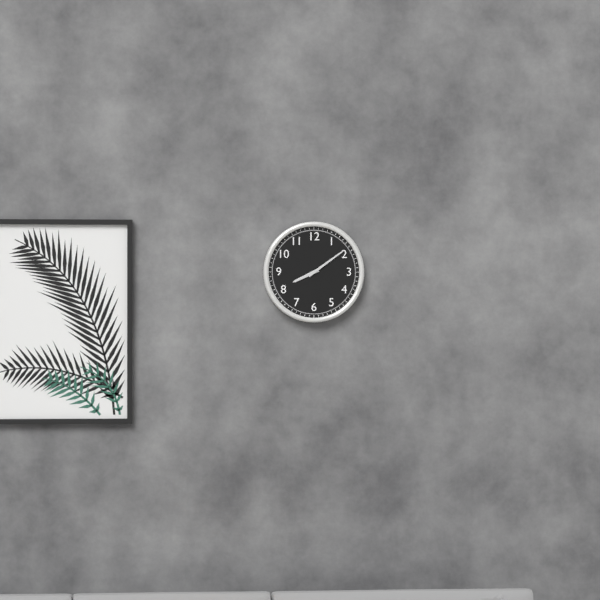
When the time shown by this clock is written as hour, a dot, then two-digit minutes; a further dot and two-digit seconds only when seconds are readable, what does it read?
8.09
